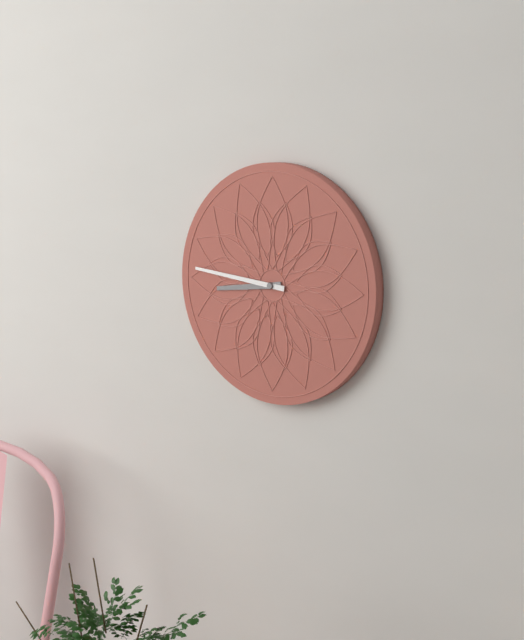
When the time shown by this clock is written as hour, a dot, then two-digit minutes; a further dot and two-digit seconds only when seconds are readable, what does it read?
8.46
